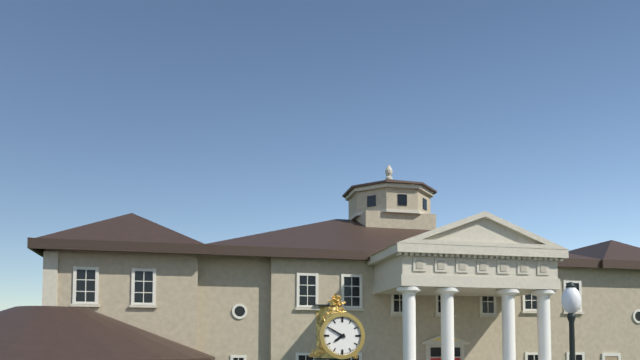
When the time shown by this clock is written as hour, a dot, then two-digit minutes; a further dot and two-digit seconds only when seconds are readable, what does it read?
7.50
